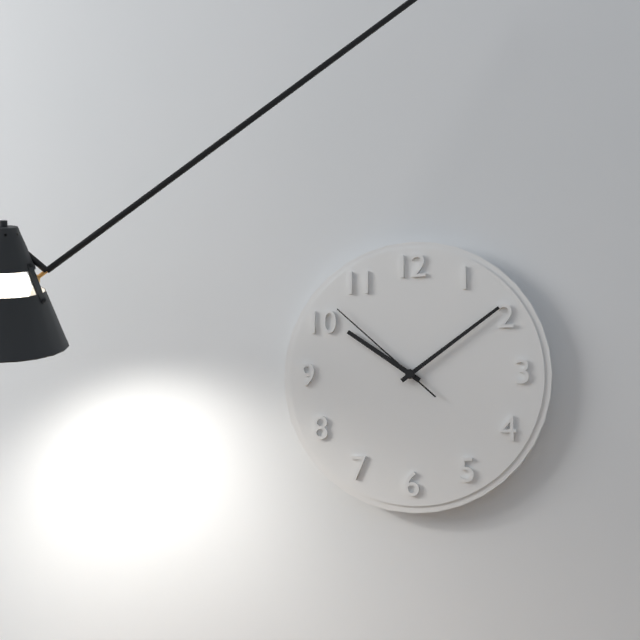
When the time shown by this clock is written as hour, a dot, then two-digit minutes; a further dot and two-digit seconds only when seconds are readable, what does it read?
10.09.52
